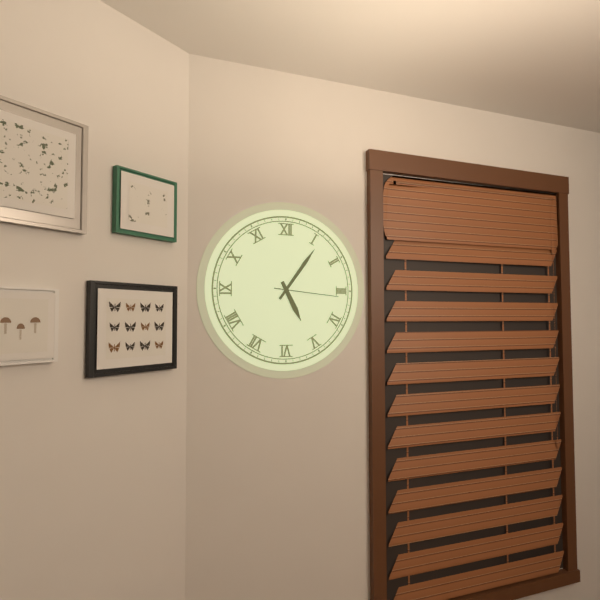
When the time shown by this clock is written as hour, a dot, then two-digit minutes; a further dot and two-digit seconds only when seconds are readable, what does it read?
5.06.16
